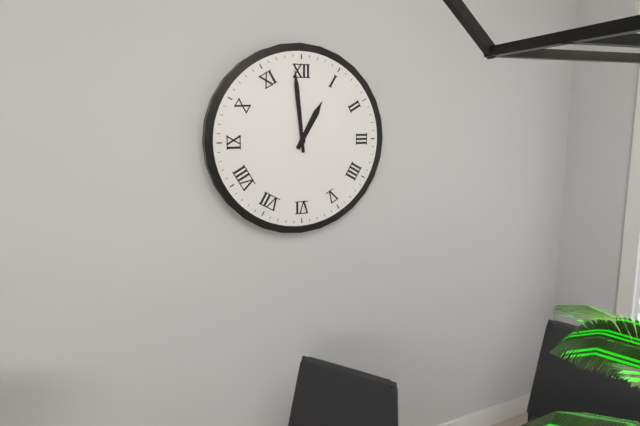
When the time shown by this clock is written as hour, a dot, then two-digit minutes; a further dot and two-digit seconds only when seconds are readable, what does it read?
12.59
